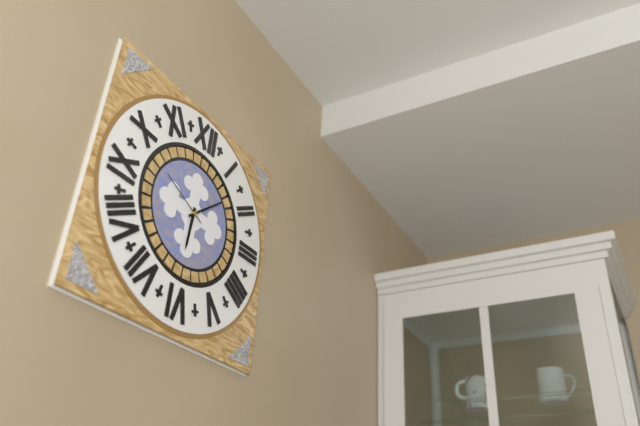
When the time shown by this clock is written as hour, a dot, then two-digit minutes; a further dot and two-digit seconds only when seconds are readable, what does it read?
6.08.49
